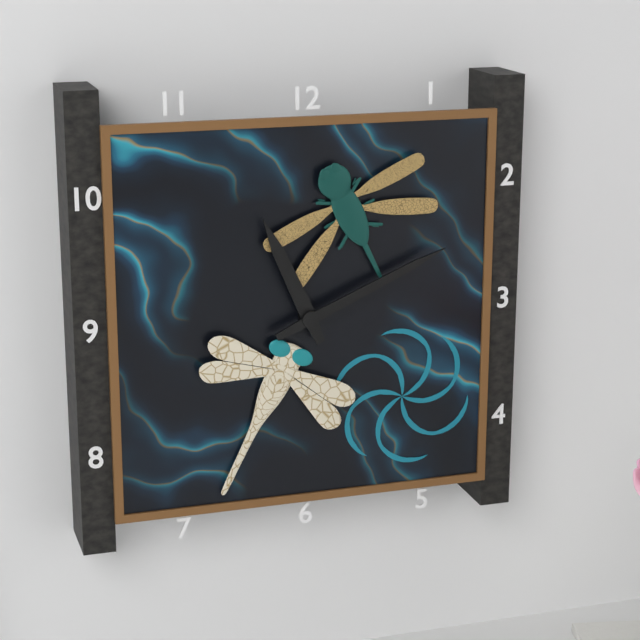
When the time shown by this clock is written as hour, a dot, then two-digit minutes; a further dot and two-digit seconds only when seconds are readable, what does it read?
11.11
